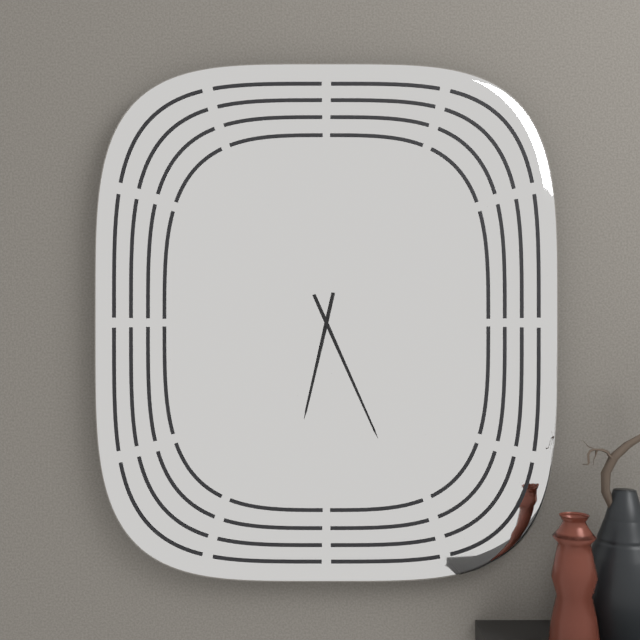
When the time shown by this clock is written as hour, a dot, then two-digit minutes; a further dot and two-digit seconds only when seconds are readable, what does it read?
6.26
